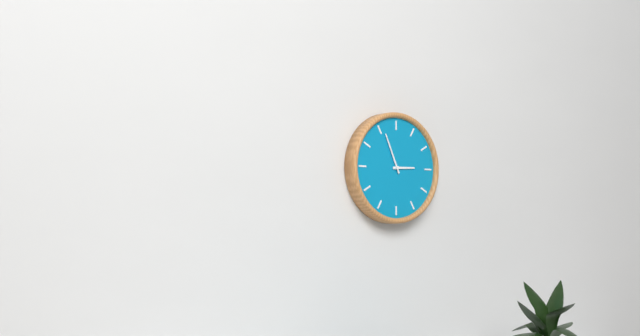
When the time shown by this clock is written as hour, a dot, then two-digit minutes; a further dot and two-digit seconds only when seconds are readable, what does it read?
2.56
